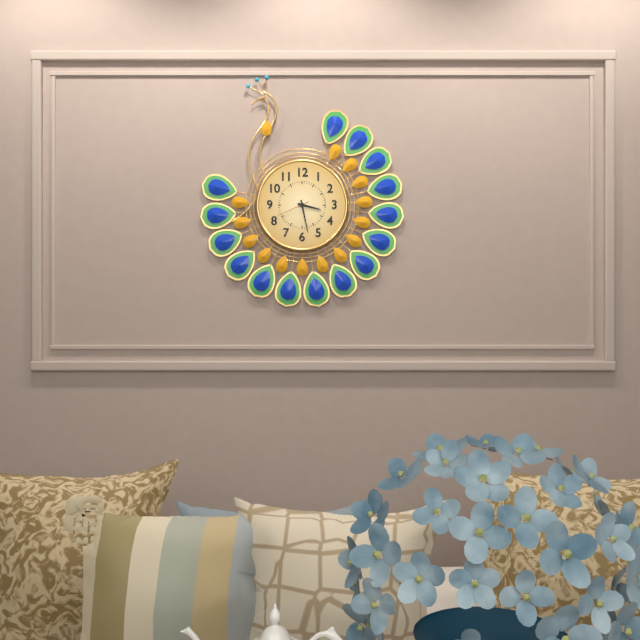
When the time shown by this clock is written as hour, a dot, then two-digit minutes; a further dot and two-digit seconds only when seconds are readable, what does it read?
3.28
